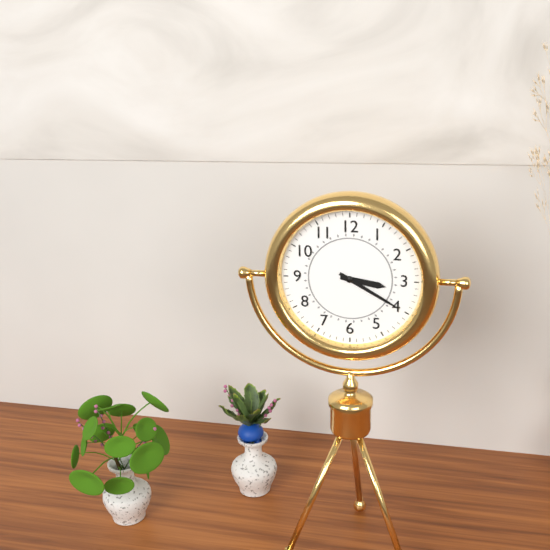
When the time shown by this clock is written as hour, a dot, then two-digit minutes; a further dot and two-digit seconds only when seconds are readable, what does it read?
3.20
